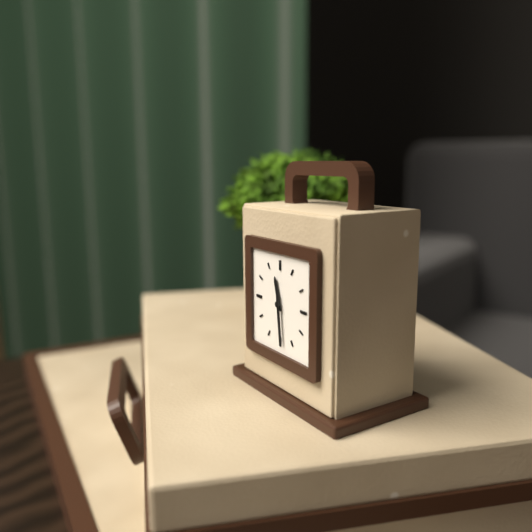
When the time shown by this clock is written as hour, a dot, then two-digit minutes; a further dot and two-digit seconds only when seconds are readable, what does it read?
11.29
